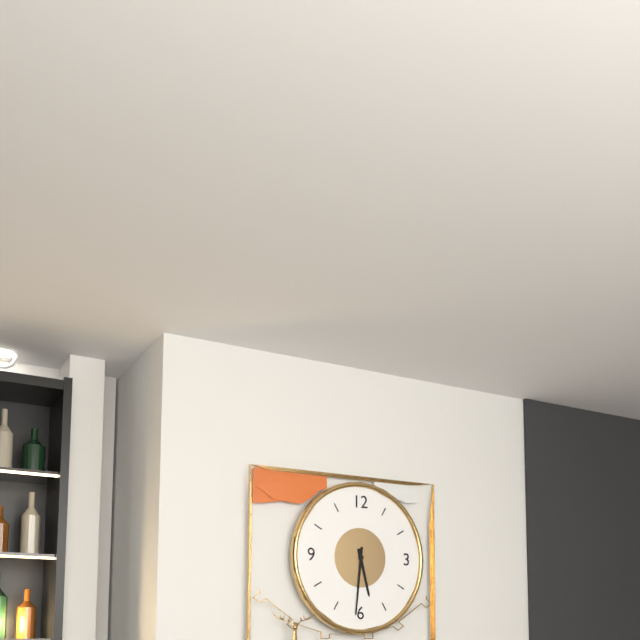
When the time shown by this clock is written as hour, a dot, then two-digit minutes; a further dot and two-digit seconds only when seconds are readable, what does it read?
5.31
